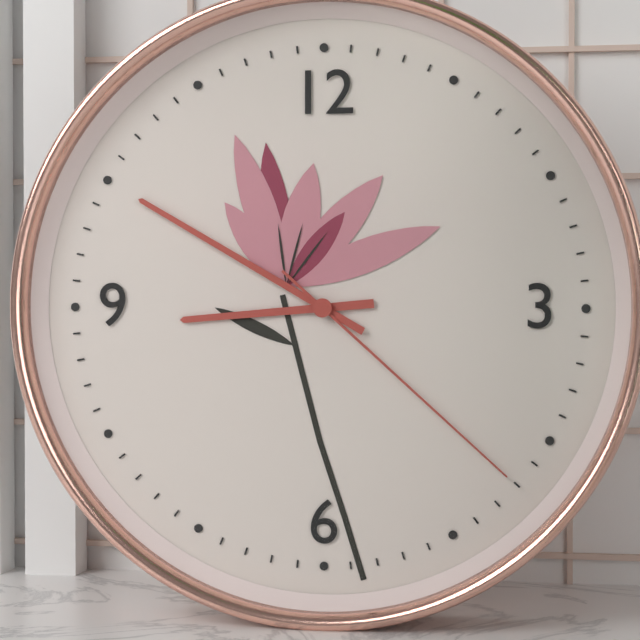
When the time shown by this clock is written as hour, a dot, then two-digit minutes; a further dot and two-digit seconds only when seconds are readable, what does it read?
8.50.22
